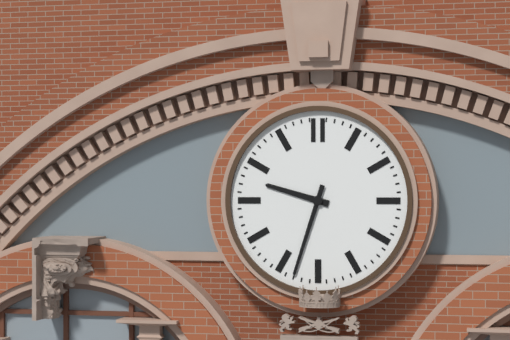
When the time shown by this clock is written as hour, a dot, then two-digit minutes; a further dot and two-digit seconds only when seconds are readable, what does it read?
9.33
